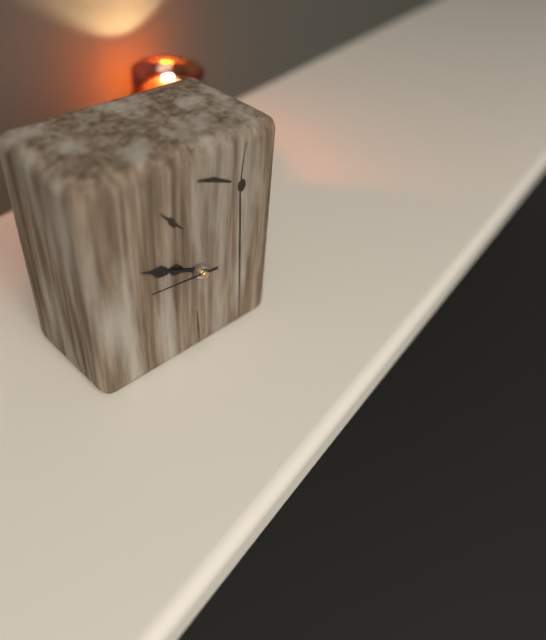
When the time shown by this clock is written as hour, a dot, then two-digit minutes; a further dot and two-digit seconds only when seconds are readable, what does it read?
9.49.46
